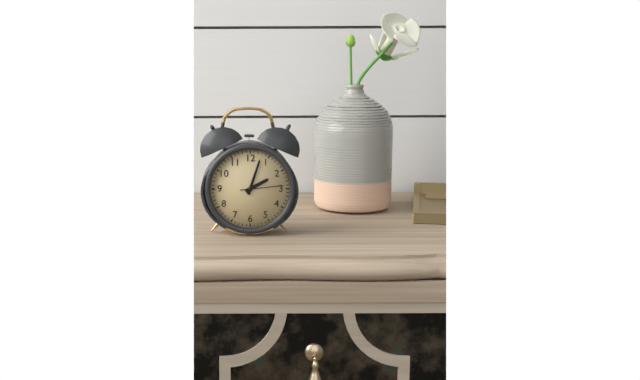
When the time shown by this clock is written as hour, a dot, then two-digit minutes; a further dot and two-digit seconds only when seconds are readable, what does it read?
2.03
